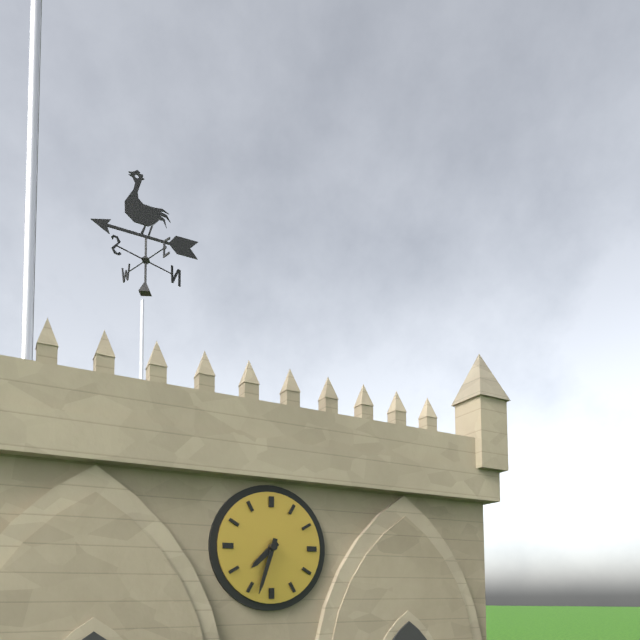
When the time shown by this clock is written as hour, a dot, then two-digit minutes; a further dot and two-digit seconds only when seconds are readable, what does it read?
7.33
